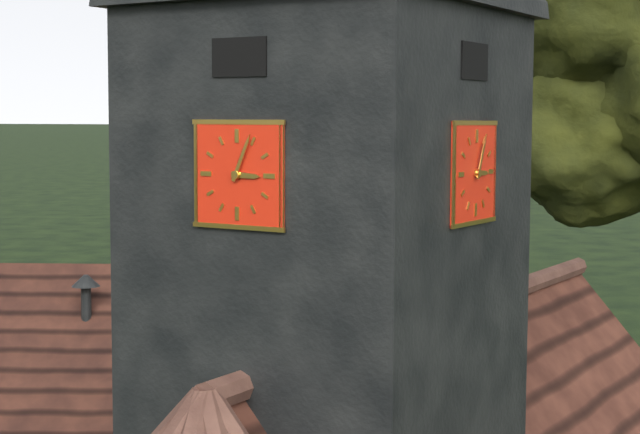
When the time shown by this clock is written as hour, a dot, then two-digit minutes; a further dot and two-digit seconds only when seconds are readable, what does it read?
3.04
